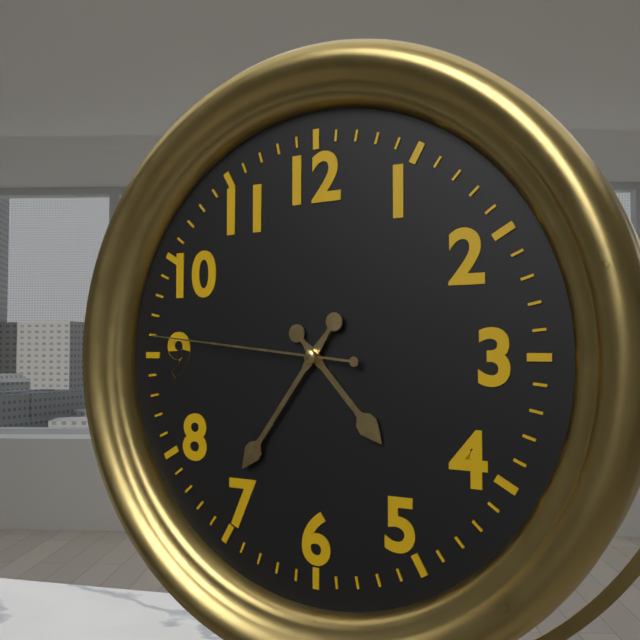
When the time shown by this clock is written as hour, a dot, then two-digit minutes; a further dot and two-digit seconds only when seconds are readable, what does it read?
4.36.46
